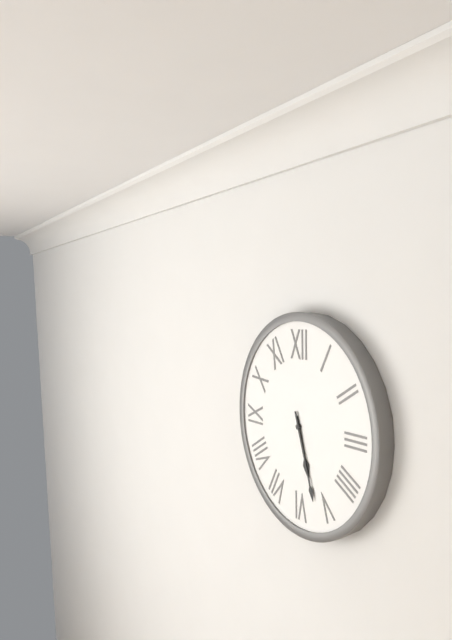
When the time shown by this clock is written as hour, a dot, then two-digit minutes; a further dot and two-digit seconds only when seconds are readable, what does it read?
5.27
